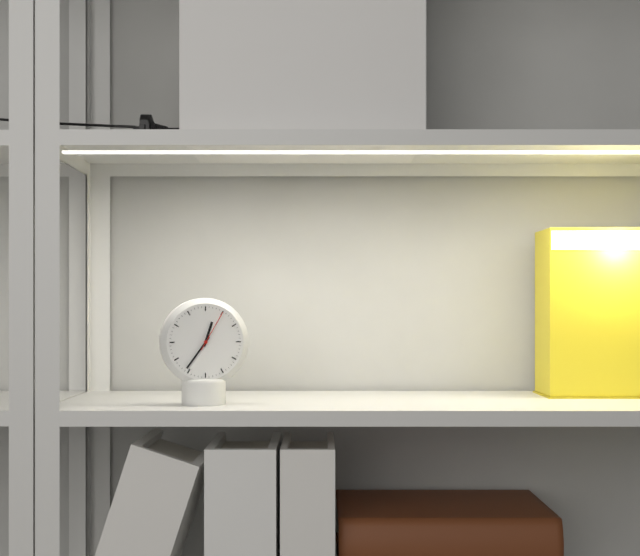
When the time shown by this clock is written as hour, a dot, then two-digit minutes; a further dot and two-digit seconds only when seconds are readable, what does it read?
12.36
